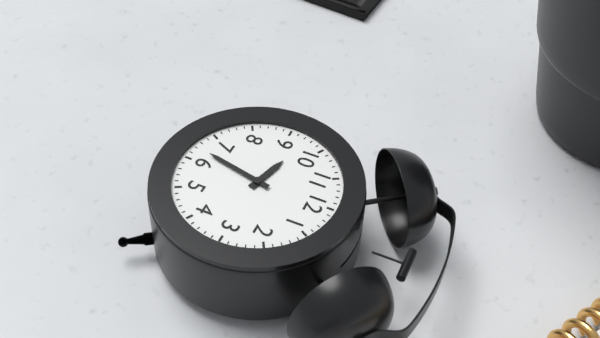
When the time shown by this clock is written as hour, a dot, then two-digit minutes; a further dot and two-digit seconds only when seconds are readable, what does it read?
9.32
